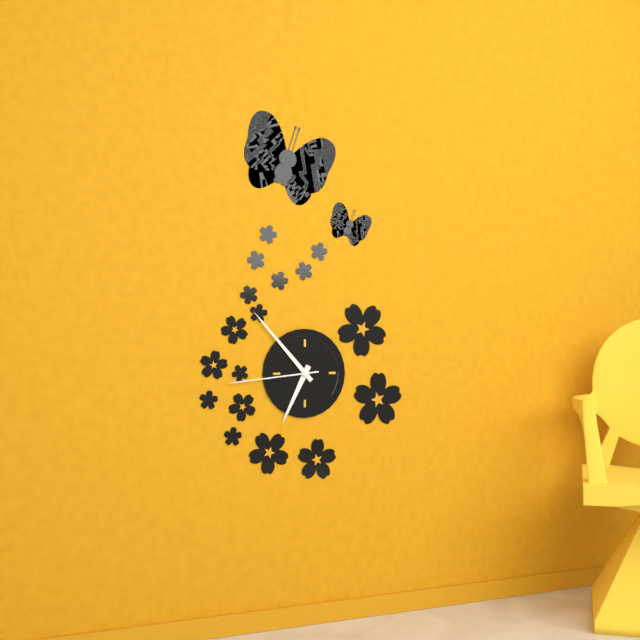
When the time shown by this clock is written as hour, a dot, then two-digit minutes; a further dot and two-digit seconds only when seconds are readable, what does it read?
6.53.44
